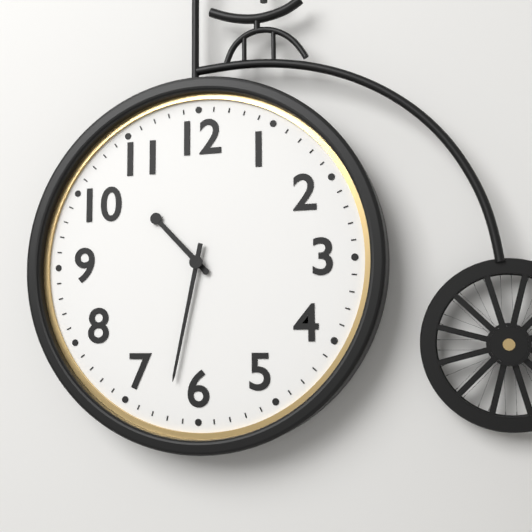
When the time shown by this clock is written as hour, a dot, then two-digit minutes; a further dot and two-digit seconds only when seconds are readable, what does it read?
10.32
